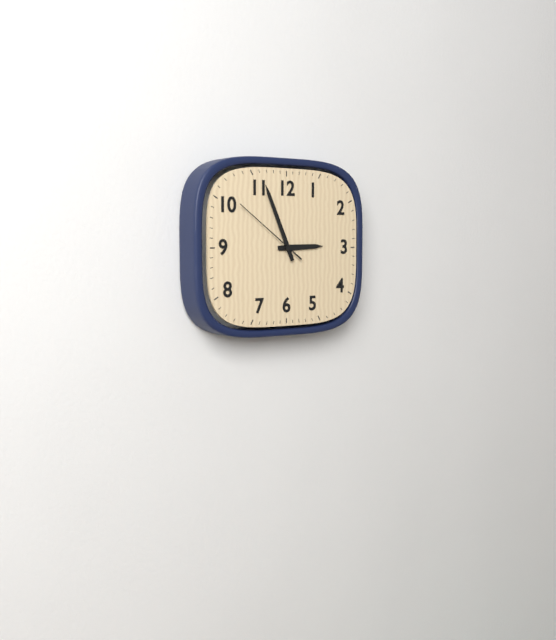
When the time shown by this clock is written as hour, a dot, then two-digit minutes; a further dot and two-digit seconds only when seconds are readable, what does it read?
2.56.51
